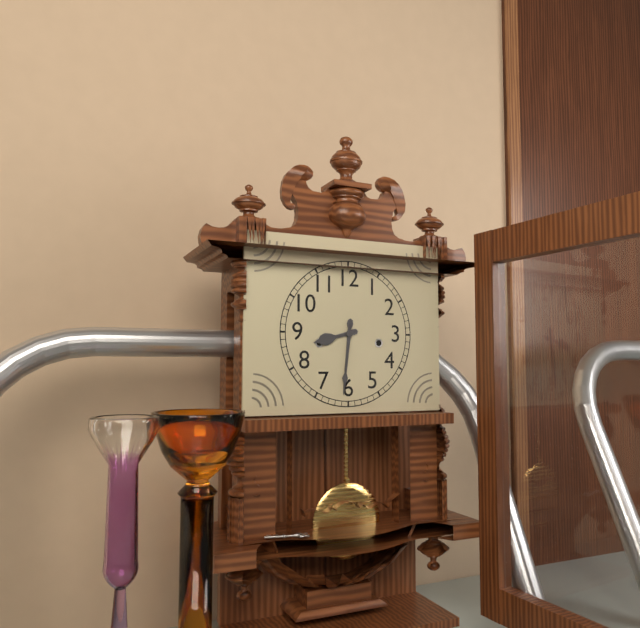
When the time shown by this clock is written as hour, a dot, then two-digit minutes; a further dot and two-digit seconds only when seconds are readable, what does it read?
8.31
